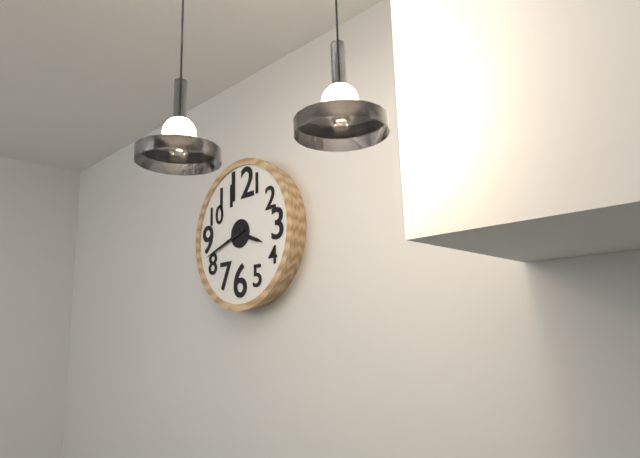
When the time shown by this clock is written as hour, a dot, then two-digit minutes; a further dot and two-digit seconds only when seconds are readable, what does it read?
3.42
